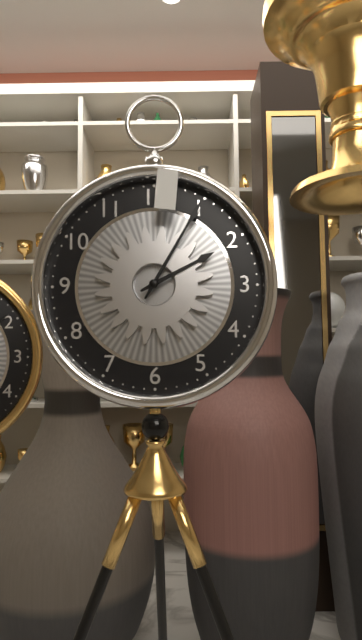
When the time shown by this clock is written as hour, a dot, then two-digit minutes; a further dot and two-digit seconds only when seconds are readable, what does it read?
2.05
